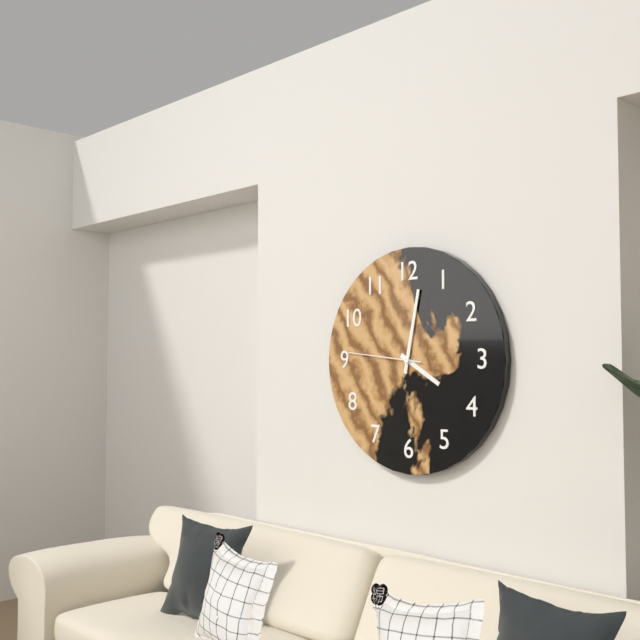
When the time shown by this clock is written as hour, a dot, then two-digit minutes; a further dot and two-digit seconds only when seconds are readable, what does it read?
4.02.46
